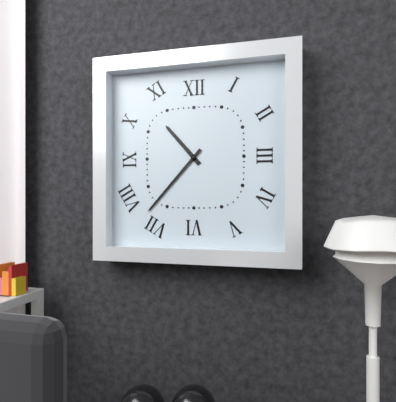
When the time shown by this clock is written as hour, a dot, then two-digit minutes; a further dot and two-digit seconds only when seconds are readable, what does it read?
10.37
